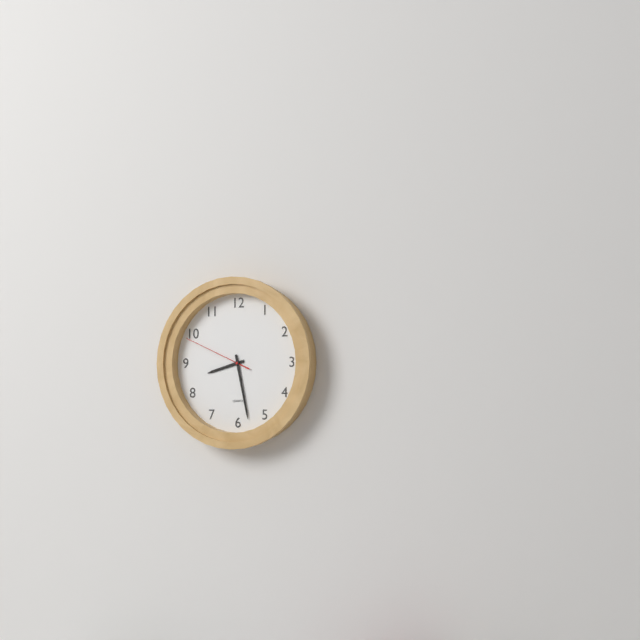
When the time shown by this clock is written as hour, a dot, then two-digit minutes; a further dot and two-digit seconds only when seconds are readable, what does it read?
8.28.49
